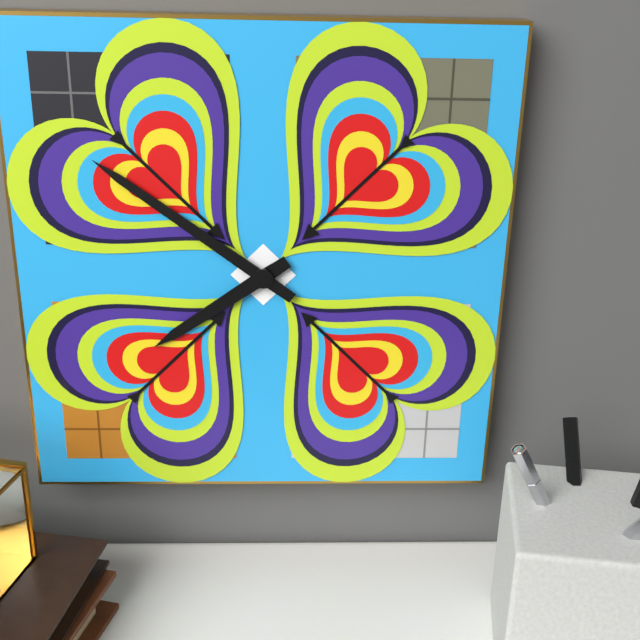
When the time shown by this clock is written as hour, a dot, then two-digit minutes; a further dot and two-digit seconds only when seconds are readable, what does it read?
7.51
